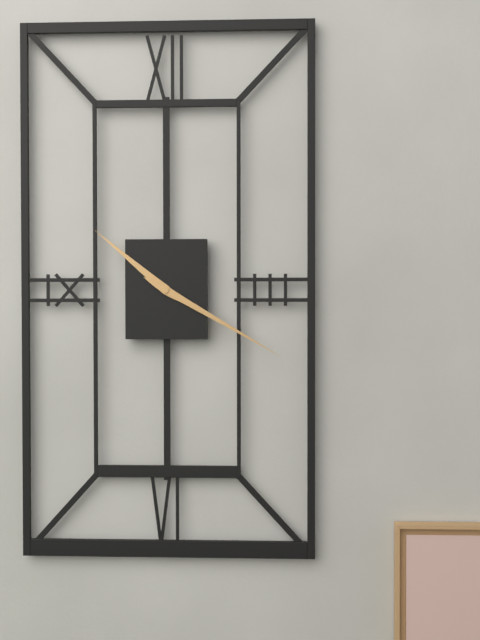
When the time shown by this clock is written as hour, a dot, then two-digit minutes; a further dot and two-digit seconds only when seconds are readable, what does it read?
10.20
